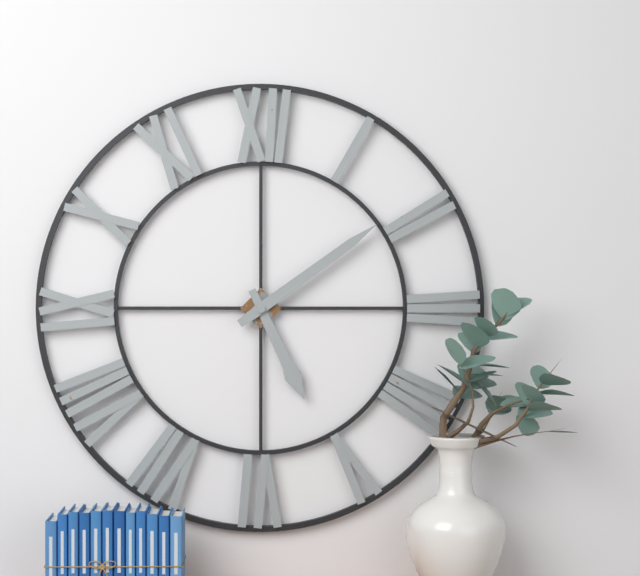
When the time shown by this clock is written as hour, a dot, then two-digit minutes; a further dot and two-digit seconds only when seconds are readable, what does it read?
5.09
